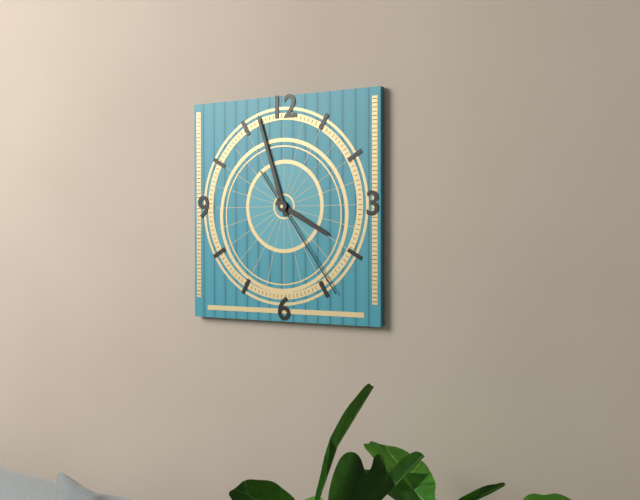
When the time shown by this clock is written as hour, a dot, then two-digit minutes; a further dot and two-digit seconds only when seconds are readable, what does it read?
3.57.24
